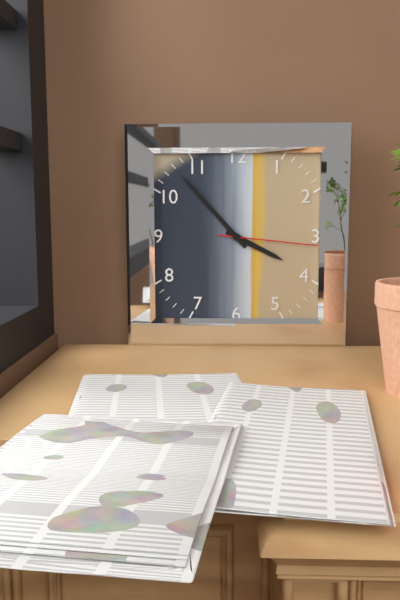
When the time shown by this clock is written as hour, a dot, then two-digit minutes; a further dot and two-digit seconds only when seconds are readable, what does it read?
3.53.16
